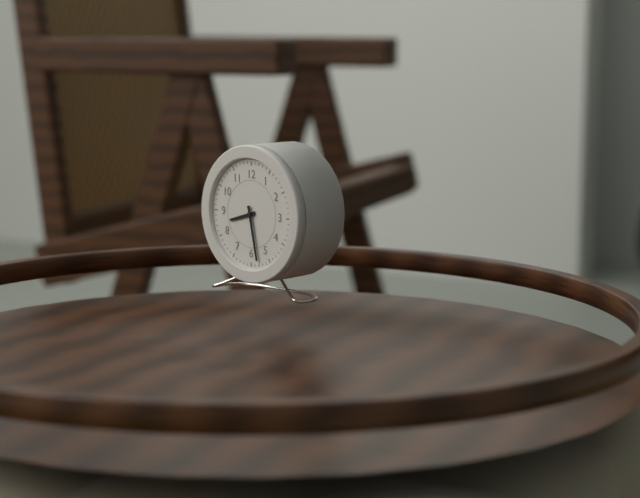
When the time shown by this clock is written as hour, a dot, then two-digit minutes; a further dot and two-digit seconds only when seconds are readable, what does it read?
8.28
